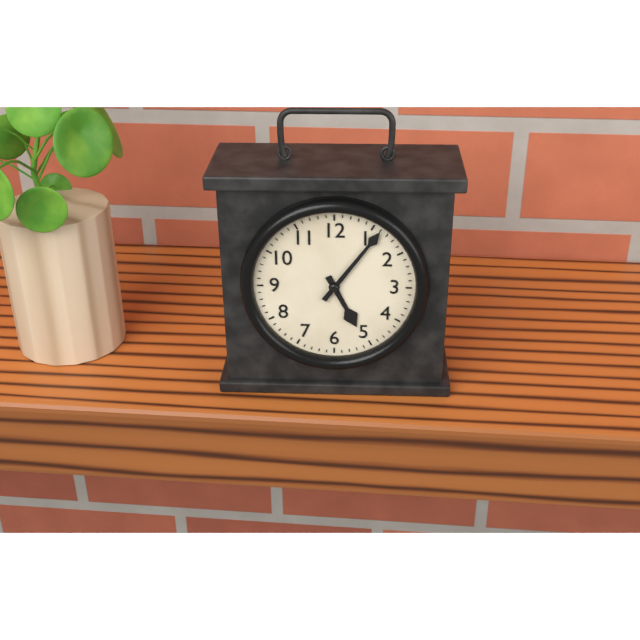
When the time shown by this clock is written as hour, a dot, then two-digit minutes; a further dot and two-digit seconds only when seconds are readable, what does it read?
5.06
